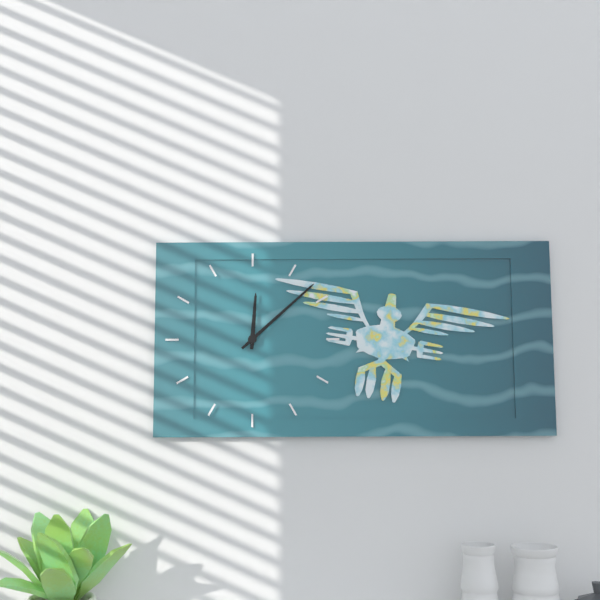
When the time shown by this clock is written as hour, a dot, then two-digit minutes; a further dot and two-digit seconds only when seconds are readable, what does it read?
12.08
